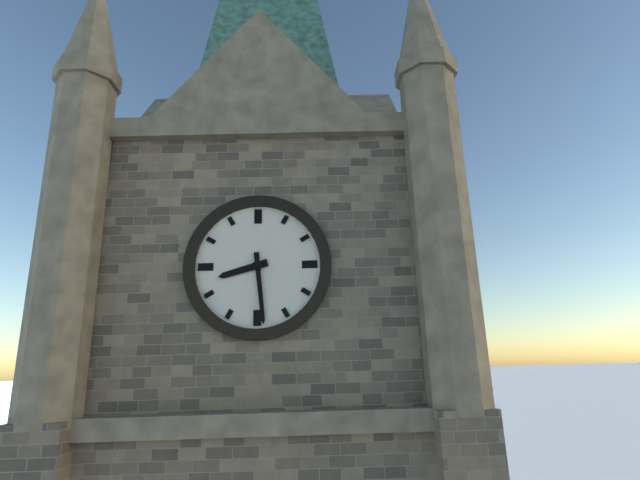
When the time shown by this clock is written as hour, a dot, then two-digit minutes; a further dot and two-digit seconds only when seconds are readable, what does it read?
8.29
